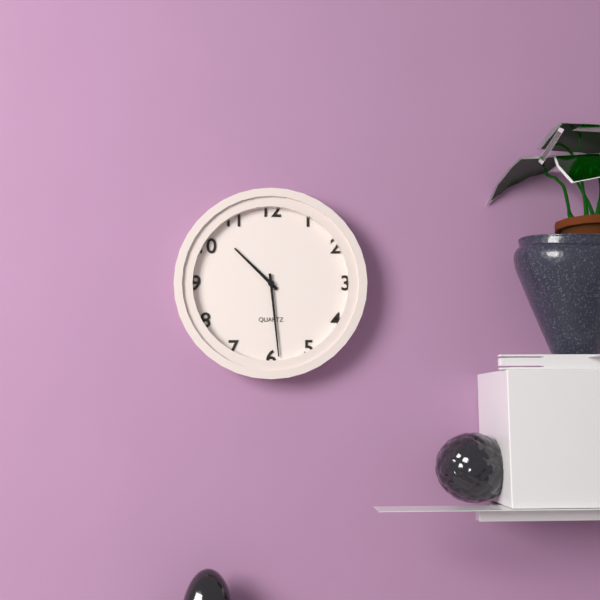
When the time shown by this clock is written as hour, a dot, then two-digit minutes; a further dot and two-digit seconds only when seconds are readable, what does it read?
10.29
